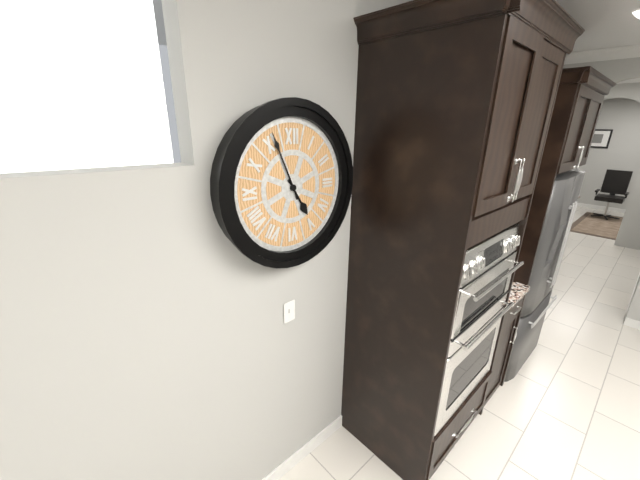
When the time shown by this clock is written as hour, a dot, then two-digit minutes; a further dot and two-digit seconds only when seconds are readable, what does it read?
4.56
